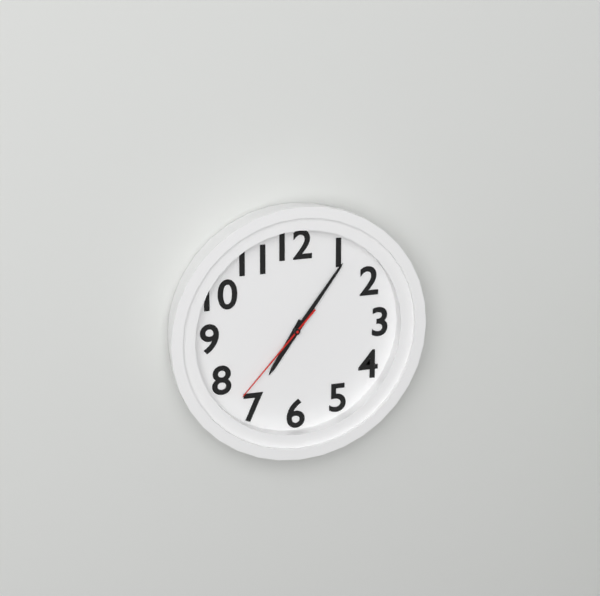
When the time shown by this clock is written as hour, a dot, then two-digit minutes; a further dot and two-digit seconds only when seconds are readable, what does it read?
7.06.37
